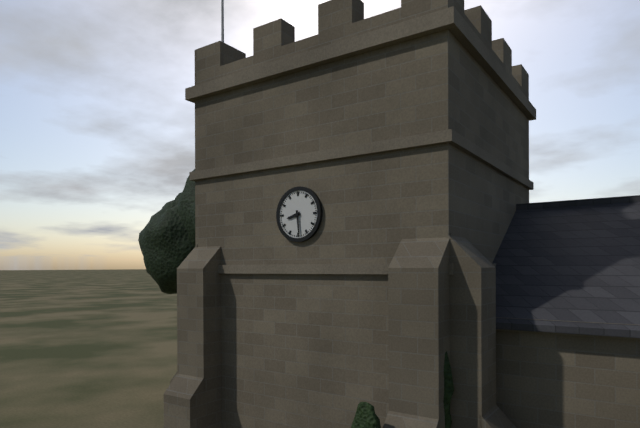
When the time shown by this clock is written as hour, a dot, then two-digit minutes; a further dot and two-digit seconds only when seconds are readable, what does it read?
8.29
